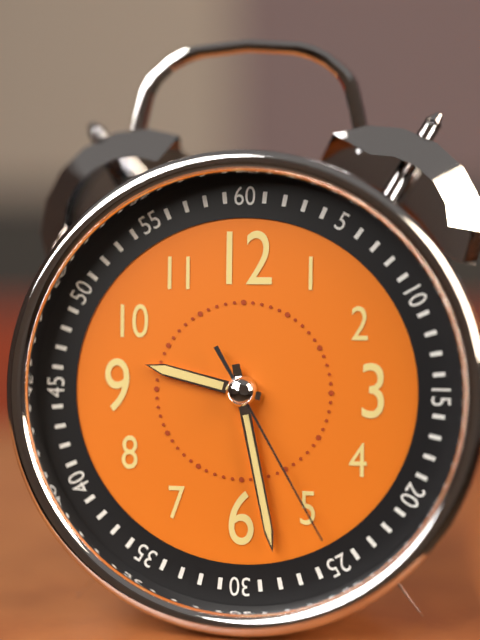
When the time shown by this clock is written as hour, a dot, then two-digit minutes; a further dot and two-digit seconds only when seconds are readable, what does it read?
9.28.25
